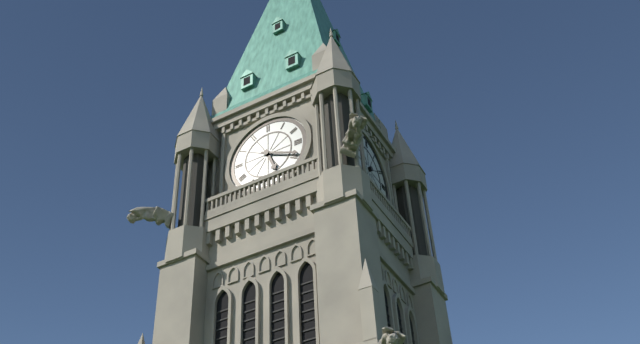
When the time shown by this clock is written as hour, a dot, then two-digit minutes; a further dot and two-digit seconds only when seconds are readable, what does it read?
5.19
